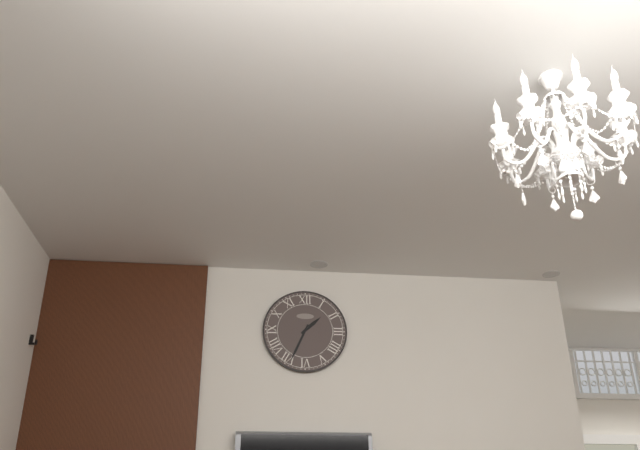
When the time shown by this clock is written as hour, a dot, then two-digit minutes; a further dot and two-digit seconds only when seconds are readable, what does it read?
1.34
